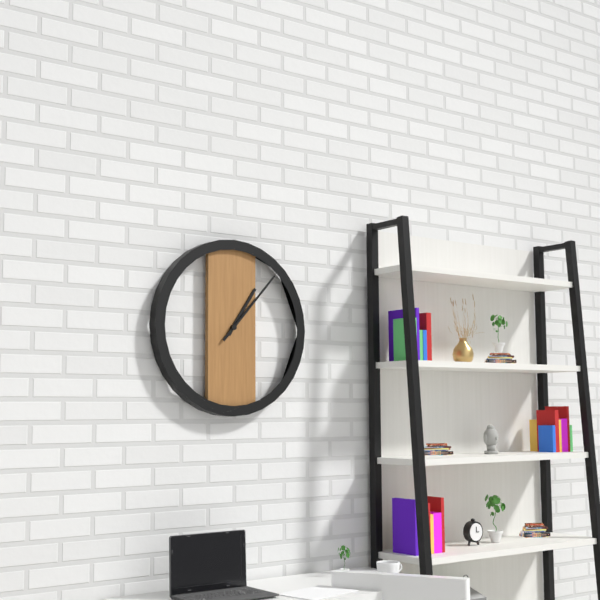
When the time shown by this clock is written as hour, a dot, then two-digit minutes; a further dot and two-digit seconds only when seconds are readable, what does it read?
1.07
